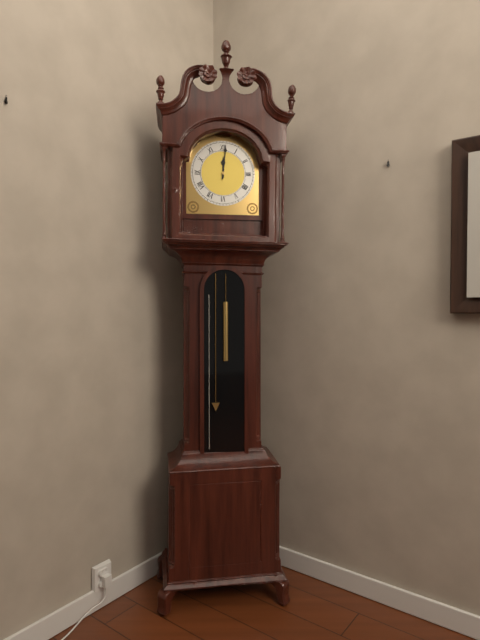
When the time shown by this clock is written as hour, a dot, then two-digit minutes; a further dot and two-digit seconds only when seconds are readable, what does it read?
12.01
